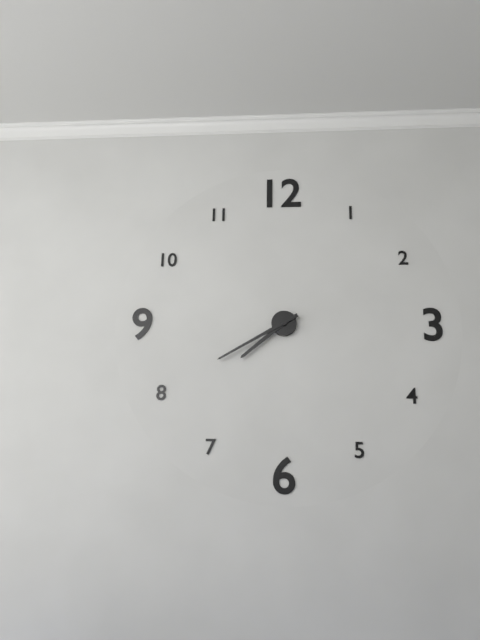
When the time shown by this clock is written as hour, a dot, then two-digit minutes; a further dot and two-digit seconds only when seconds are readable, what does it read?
7.40
